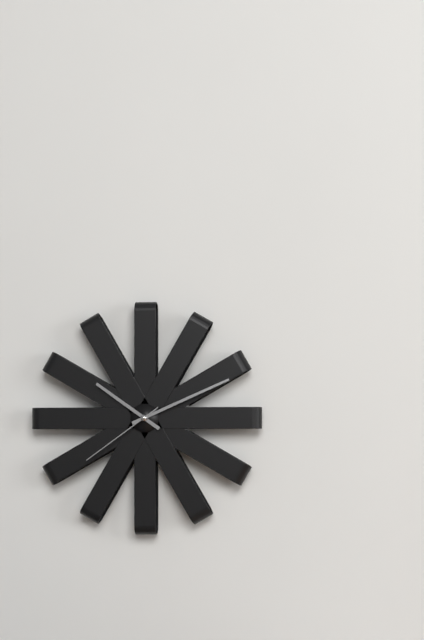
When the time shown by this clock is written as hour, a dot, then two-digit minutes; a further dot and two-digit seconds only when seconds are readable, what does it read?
10.11.39
